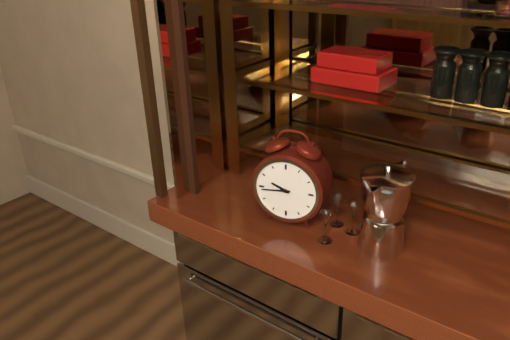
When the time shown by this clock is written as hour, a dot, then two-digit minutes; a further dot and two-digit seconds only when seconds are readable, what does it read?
9.44
